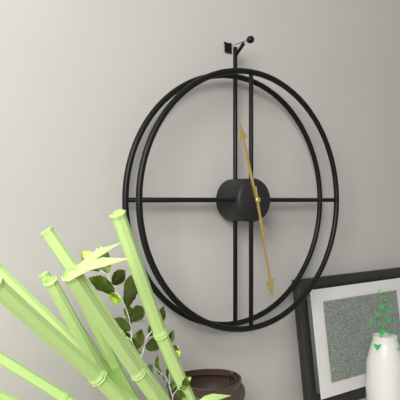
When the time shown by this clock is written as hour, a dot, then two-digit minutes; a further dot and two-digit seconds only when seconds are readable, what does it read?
11.28
